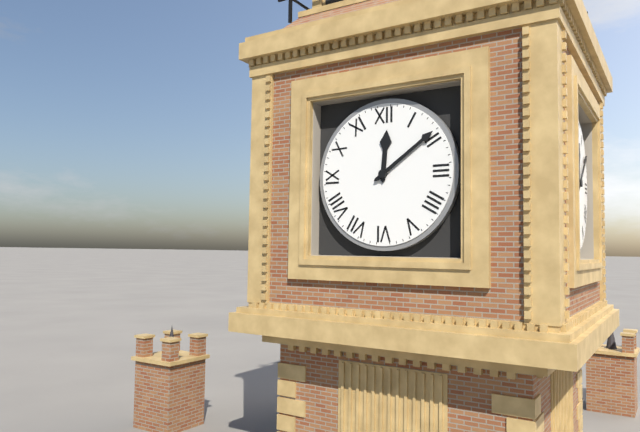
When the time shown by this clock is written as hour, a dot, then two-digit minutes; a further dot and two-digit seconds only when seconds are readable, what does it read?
12.09
